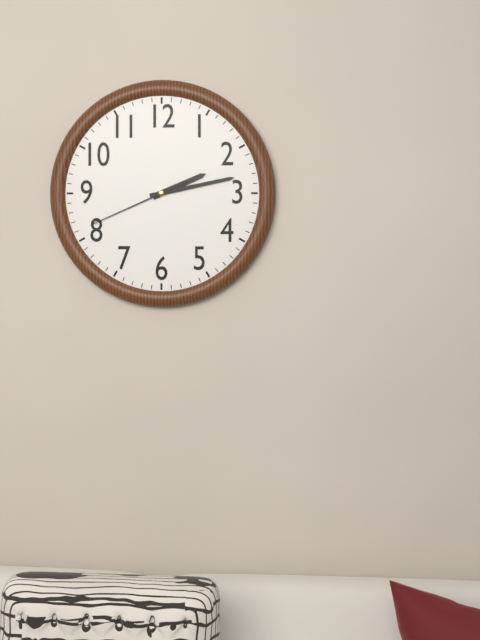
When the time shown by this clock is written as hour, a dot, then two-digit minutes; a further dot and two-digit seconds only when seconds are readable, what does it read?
2.13.41
